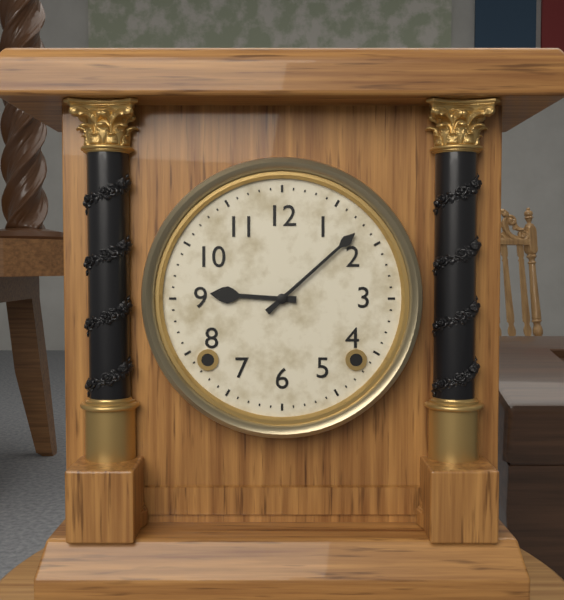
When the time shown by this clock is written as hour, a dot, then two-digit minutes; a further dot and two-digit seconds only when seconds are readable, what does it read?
9.08
